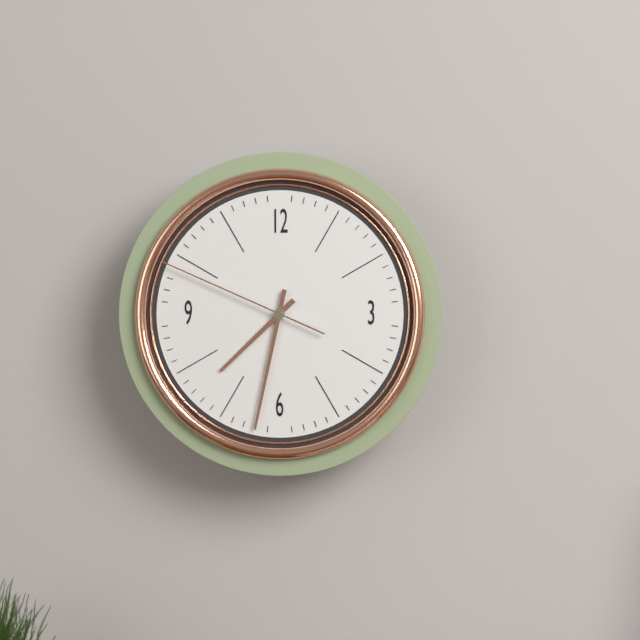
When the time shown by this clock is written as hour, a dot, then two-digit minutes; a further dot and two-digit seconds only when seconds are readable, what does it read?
7.32.49
